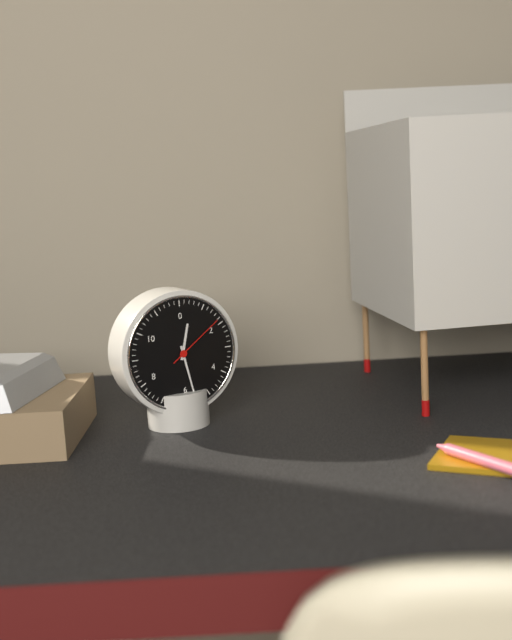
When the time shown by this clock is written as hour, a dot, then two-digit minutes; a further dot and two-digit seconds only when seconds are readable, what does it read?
12.28.09
